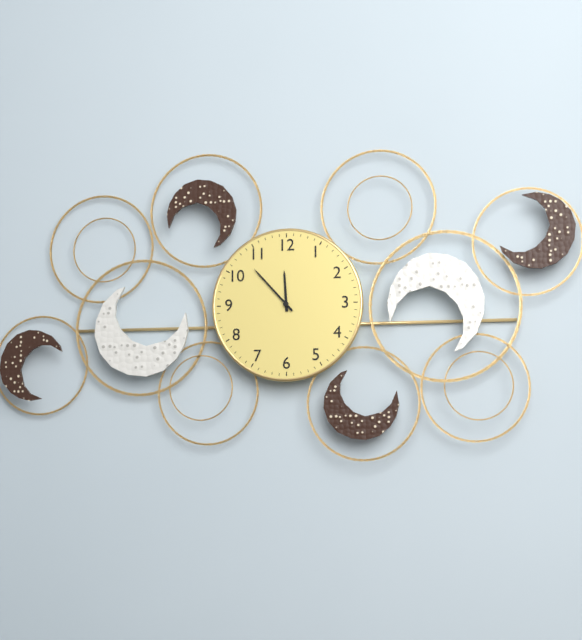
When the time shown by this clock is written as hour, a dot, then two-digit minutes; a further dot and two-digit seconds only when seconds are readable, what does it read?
11.53
